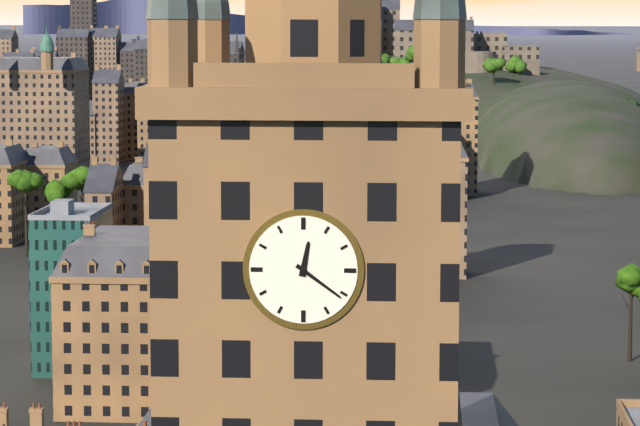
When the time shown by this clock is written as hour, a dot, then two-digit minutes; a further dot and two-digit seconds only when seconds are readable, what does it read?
12.21
